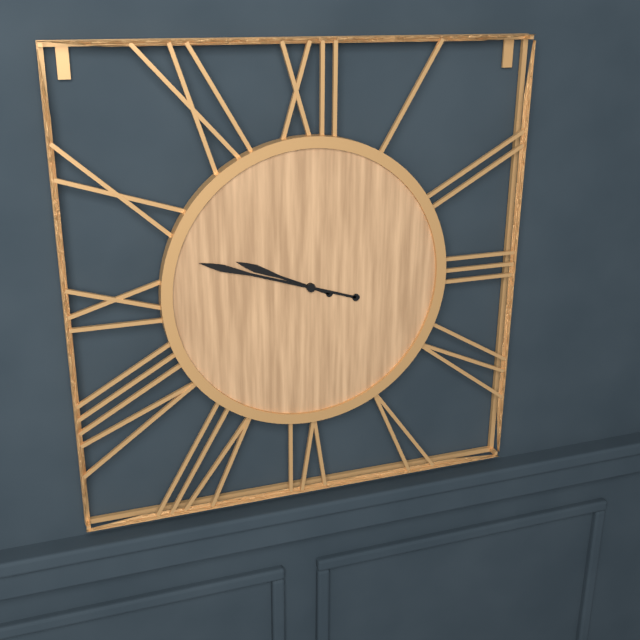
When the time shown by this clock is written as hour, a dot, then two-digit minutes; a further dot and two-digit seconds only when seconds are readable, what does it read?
9.48
